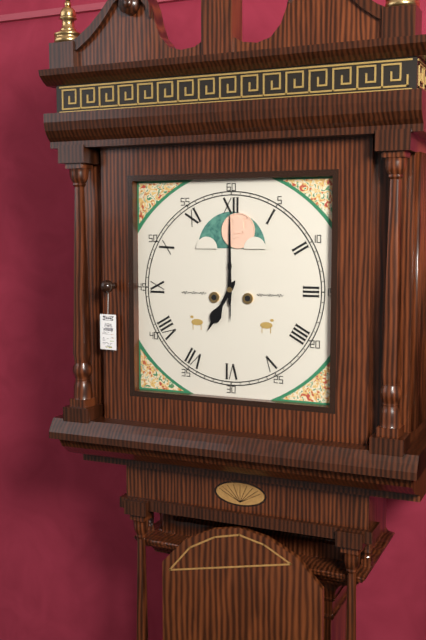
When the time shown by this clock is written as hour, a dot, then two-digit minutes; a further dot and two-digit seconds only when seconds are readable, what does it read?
7.00
